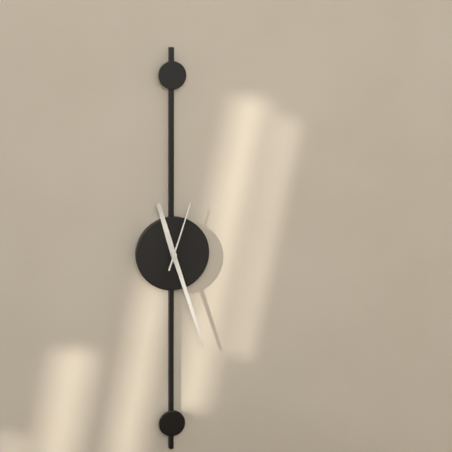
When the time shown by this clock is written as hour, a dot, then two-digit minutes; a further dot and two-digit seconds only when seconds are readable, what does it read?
11.27.03
